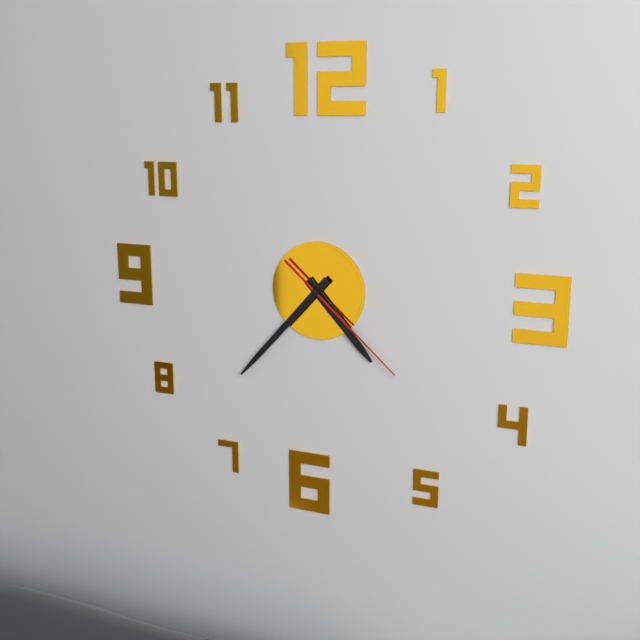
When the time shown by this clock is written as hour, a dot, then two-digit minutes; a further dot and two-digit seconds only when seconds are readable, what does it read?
4.37.22
